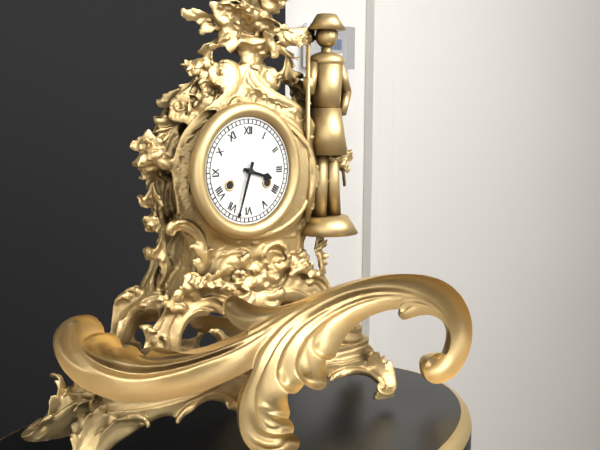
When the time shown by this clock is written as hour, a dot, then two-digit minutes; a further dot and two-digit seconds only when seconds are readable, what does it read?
3.33
